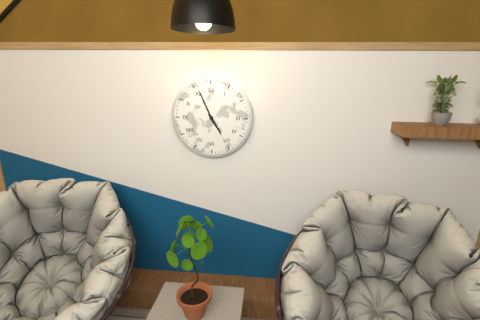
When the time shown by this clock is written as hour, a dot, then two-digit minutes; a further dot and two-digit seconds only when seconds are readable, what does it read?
4.56
